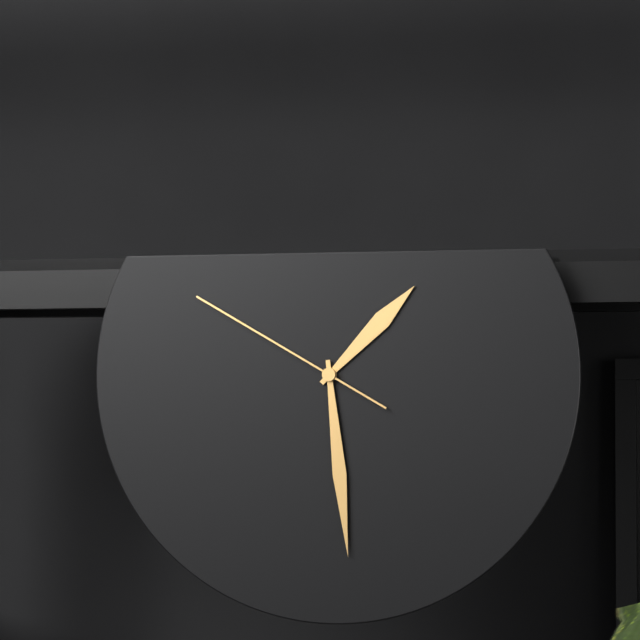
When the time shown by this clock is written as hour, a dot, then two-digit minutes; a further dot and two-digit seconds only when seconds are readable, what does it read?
1.29.50
